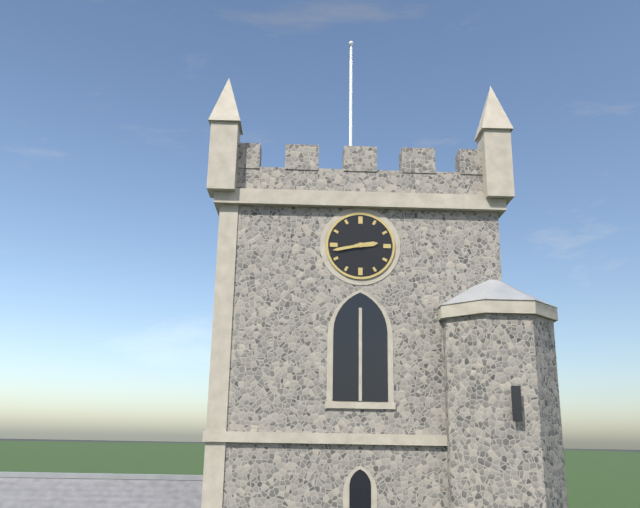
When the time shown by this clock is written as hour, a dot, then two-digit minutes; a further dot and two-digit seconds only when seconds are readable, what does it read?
2.43
